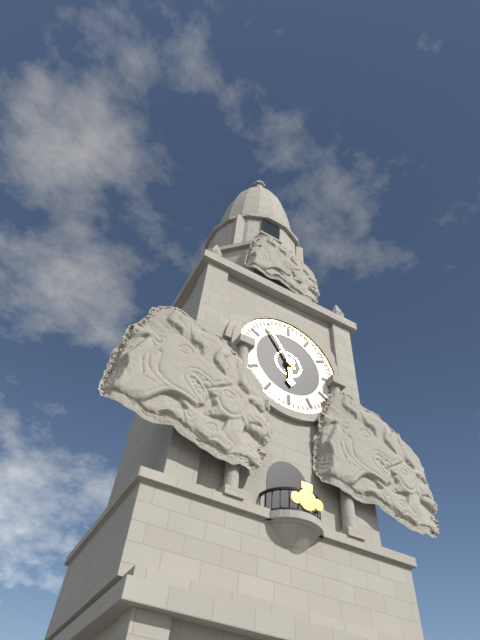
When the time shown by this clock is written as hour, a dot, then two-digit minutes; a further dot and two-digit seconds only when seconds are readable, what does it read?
5.54
